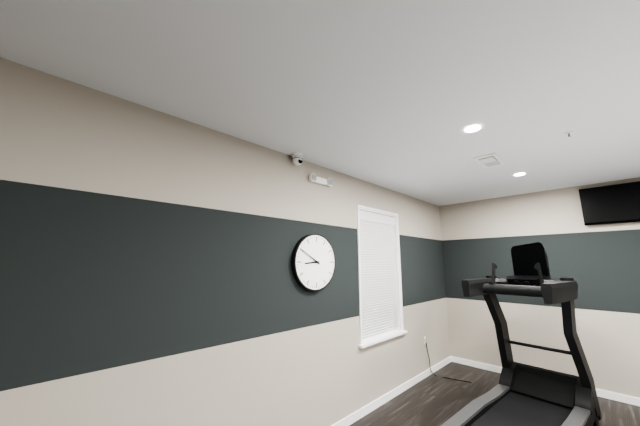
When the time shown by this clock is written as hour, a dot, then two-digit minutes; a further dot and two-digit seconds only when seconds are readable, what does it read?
8.50
